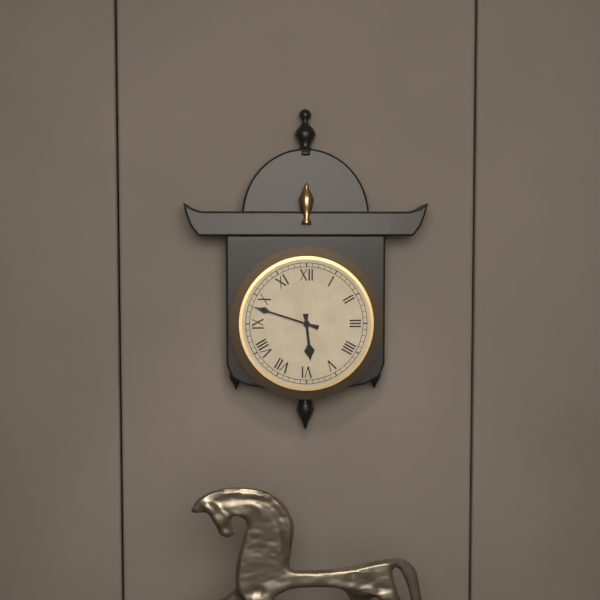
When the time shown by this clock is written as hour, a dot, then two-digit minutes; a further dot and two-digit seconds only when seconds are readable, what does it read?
5.48
